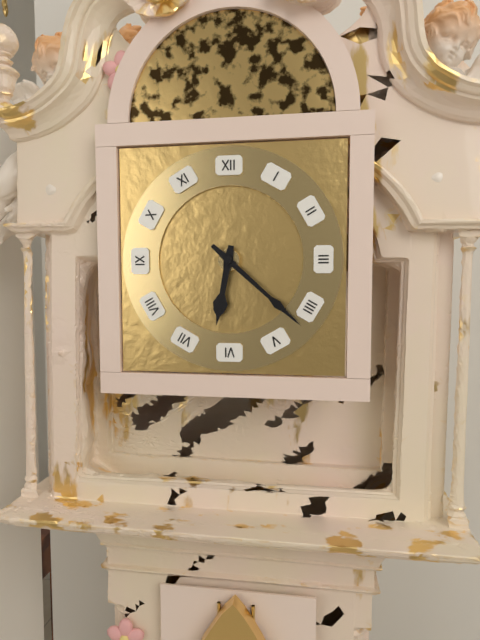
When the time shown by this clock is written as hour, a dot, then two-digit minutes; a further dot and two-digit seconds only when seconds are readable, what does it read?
6.22
